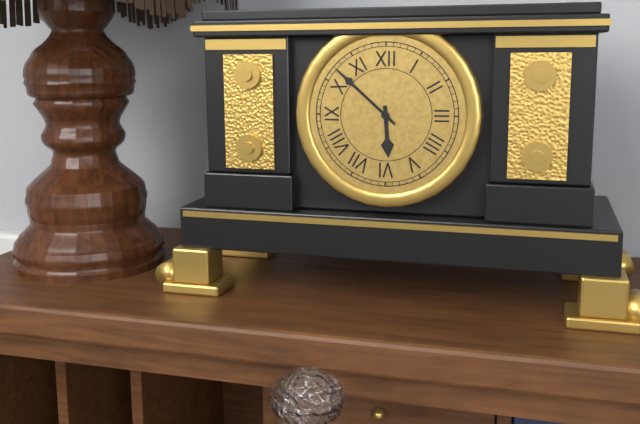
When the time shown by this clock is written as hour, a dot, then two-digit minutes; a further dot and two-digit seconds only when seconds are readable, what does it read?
5.52
